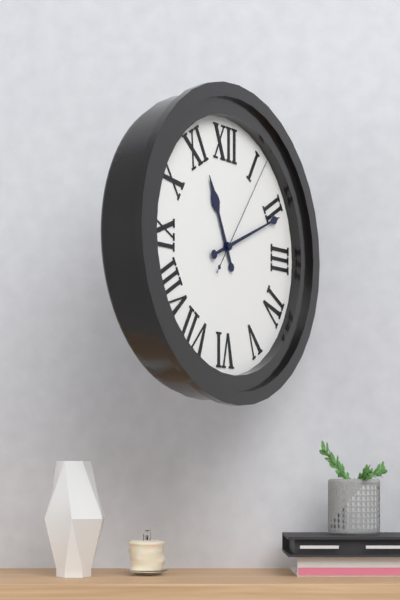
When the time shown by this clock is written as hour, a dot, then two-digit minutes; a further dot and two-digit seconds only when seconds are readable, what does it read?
11.11.06
